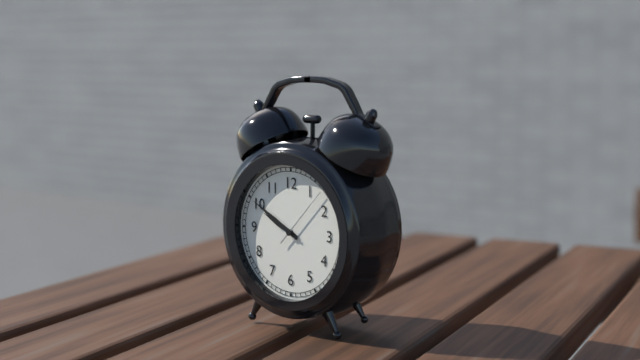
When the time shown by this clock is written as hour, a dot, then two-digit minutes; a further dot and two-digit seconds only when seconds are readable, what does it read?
9.50.07
